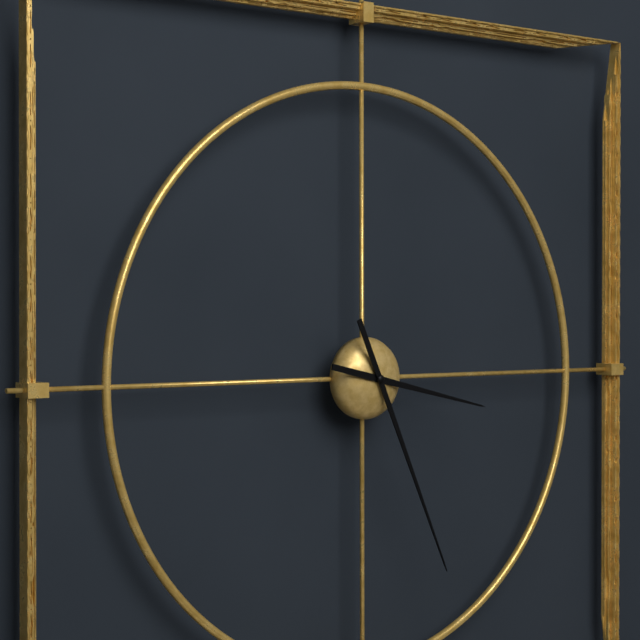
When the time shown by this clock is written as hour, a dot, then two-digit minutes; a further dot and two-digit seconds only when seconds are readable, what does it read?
3.26
